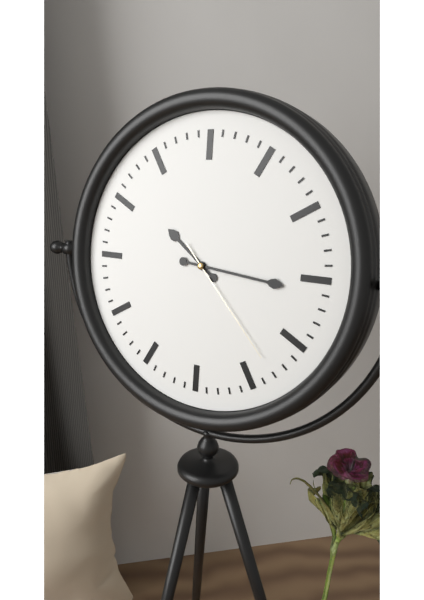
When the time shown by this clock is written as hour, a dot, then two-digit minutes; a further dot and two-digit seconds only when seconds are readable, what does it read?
10.16.23
